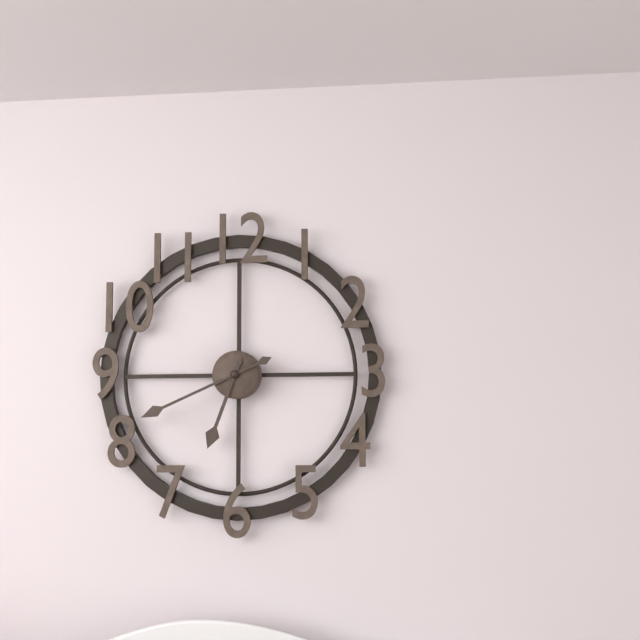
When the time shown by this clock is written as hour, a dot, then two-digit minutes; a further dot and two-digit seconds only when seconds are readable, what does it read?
6.41
